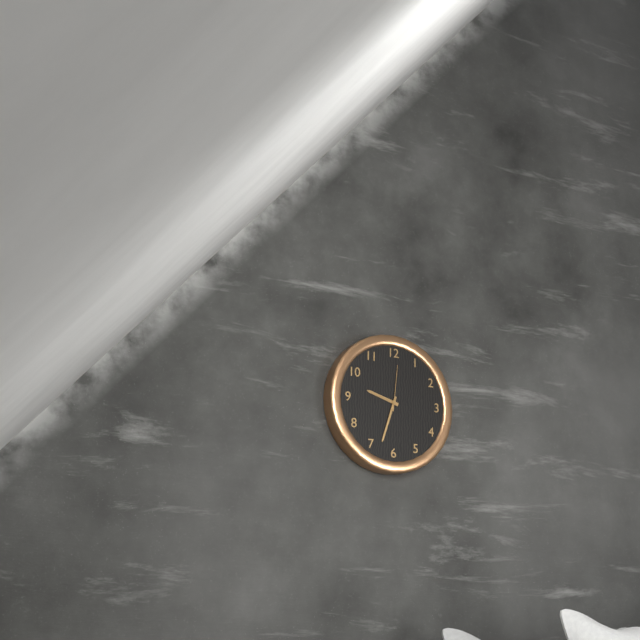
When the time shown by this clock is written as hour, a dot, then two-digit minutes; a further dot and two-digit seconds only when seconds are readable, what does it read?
9.33
